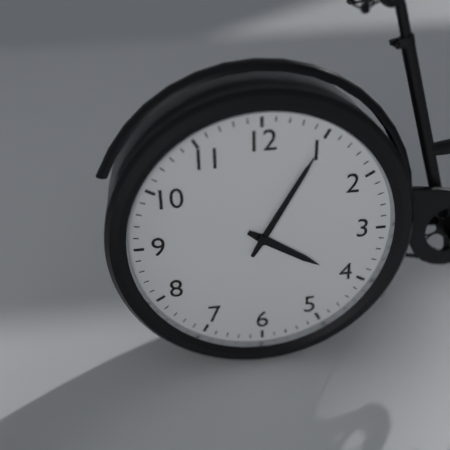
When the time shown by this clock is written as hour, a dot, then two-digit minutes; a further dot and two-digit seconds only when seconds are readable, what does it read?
4.05
